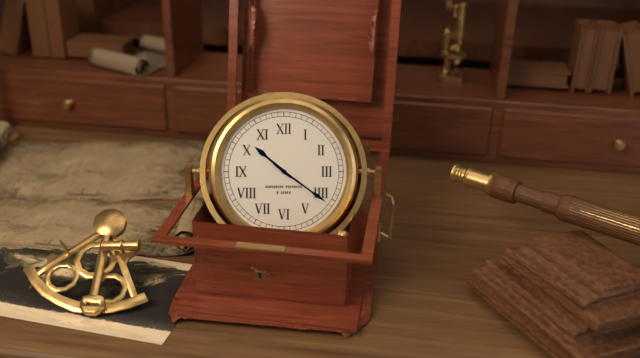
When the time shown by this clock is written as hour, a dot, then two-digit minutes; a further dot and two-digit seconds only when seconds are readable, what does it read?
10.21
